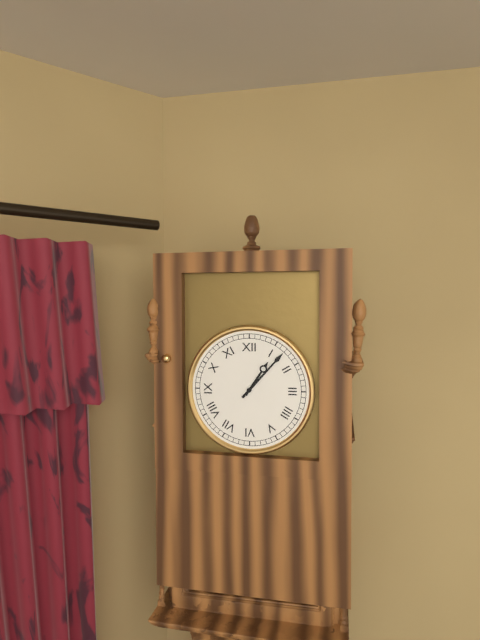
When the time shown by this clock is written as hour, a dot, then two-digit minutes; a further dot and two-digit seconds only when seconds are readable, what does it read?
1.07
